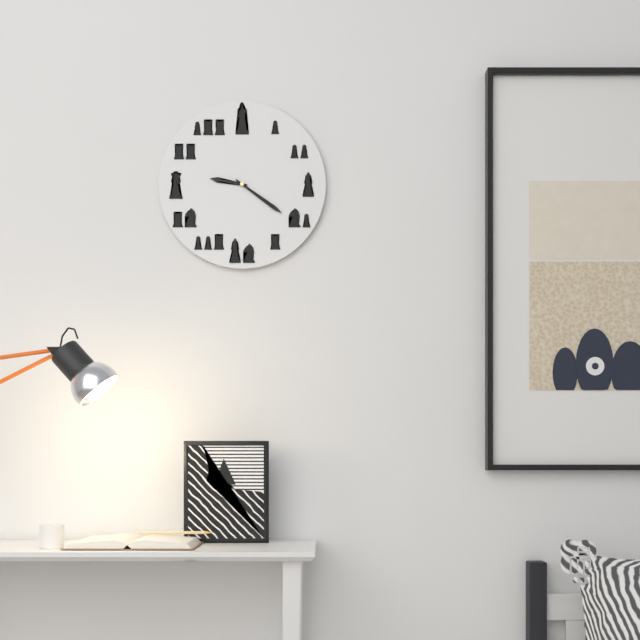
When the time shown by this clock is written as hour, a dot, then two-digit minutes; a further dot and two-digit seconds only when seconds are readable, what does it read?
9.21
